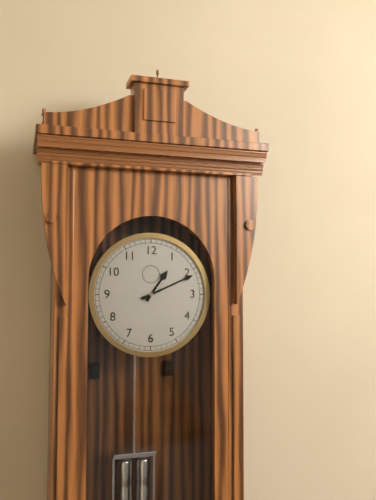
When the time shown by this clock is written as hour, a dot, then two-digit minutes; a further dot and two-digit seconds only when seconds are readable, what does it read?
1.11
